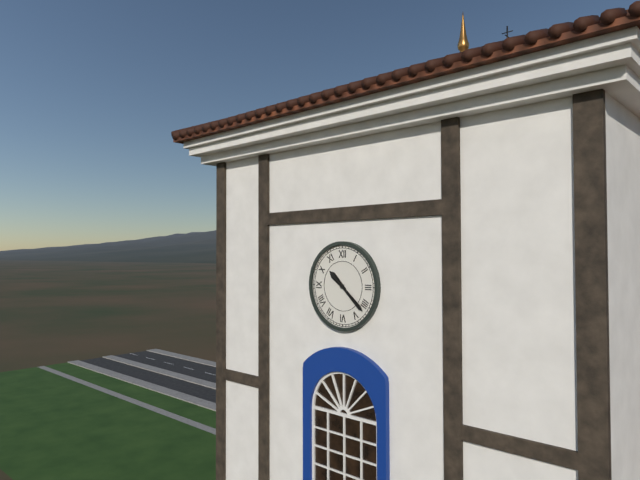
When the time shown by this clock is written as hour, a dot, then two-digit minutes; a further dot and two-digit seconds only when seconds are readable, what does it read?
10.22
